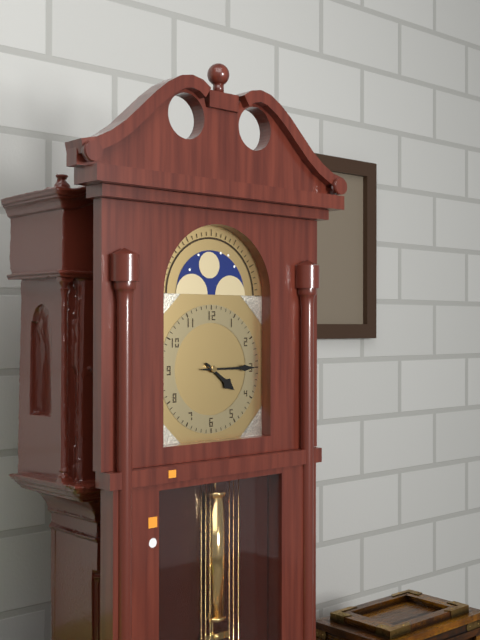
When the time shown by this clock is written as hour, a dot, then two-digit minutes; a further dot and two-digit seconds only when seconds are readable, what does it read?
4.15
